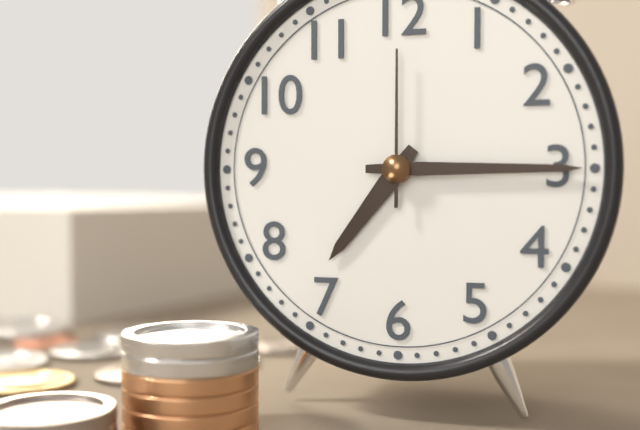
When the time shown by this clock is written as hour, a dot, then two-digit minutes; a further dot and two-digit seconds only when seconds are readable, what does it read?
7.15.00
